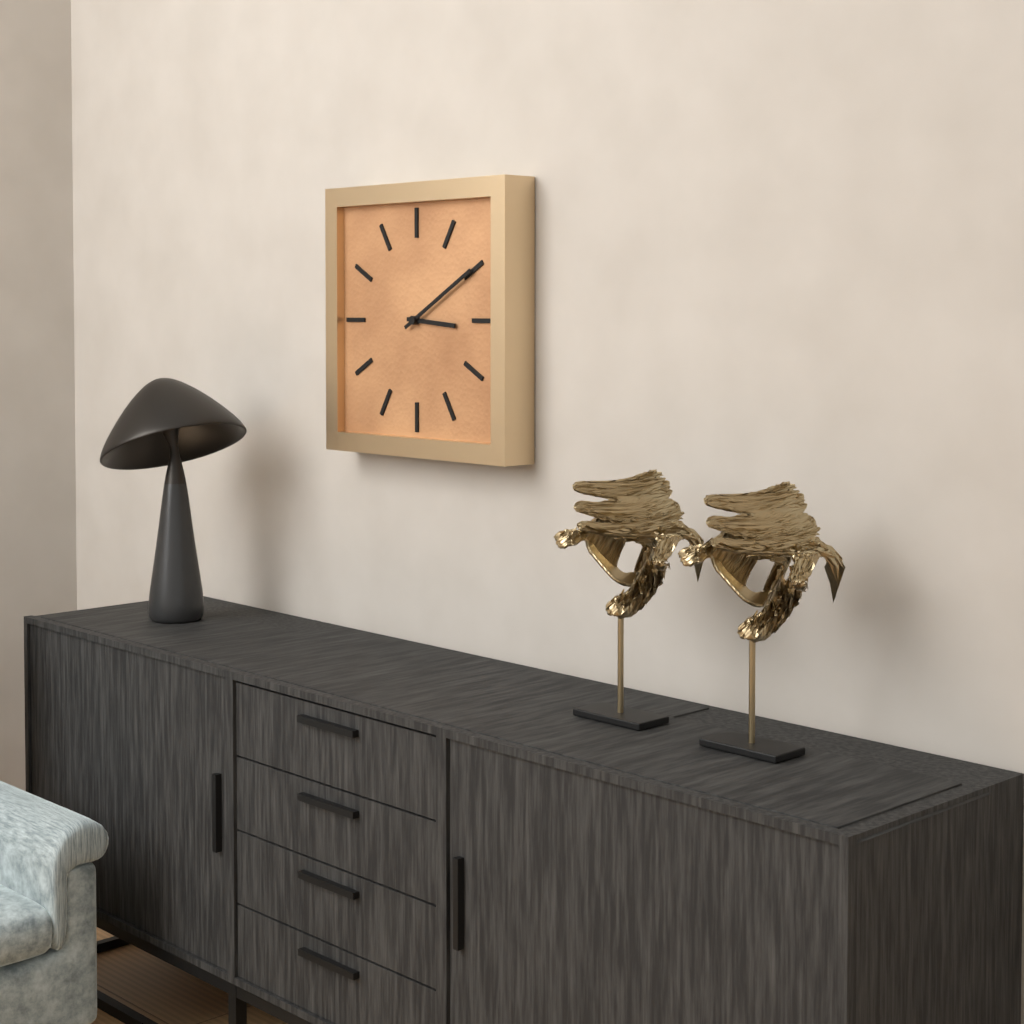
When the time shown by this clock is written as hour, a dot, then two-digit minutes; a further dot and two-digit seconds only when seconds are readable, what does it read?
3.10
